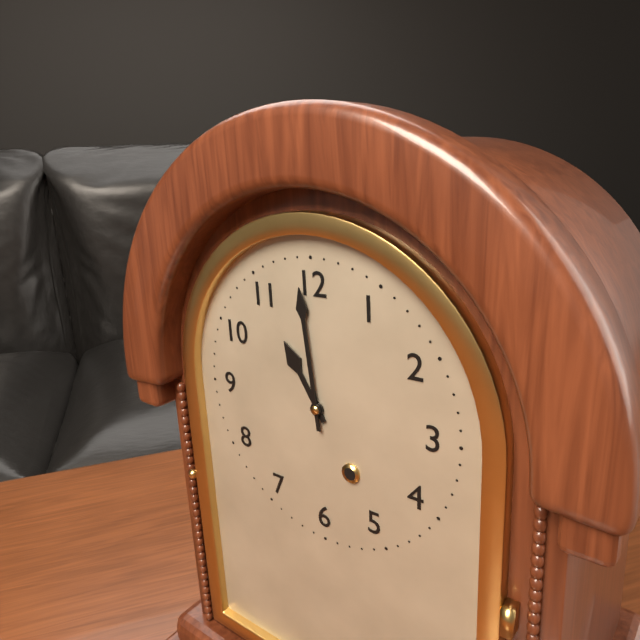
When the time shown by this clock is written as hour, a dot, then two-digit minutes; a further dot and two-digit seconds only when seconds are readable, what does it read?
10.59
